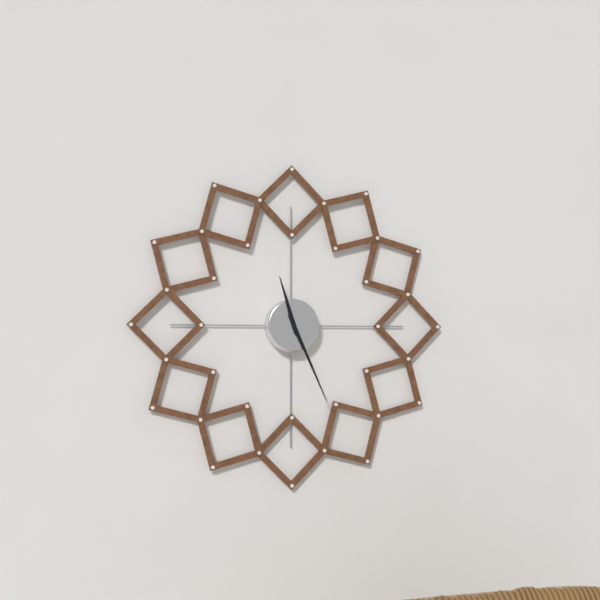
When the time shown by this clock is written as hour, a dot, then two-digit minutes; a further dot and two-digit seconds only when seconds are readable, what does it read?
11.26
